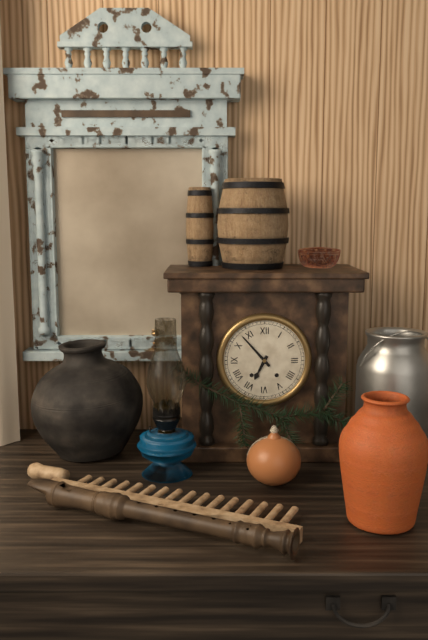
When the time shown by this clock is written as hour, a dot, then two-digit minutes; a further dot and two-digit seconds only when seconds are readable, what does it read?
6.53
